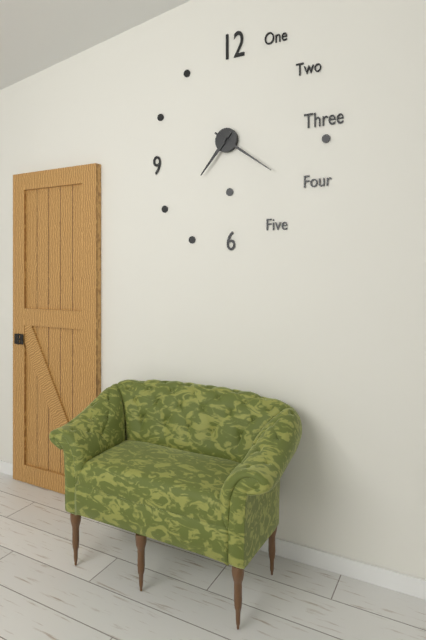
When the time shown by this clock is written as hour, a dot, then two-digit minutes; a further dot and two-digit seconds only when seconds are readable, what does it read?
7.21
